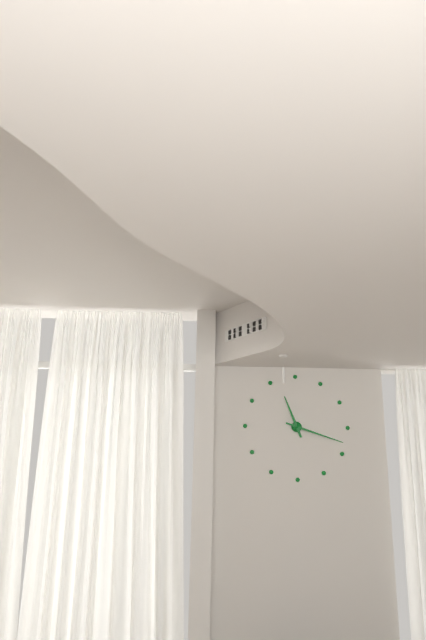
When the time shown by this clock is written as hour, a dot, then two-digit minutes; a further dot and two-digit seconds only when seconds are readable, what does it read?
11.18
